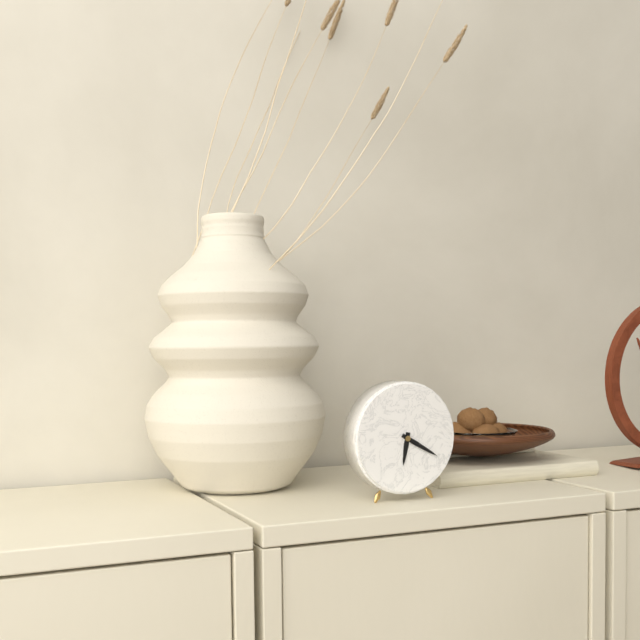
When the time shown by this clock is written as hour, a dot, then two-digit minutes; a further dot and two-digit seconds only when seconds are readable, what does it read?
6.20
